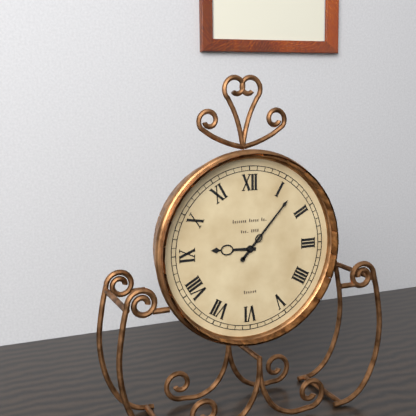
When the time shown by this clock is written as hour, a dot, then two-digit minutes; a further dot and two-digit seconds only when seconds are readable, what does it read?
9.07
